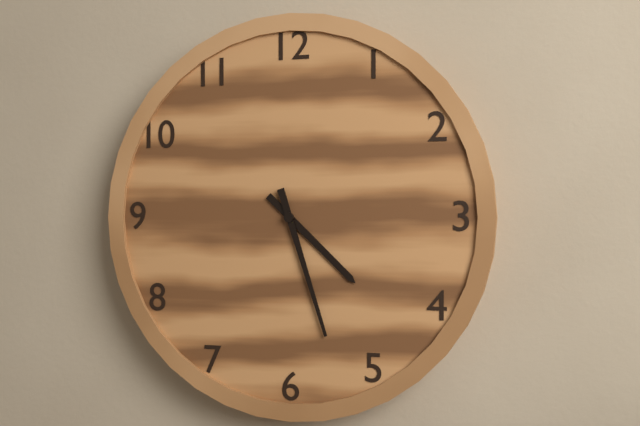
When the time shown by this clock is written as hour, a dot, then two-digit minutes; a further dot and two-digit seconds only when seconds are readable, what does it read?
4.27
